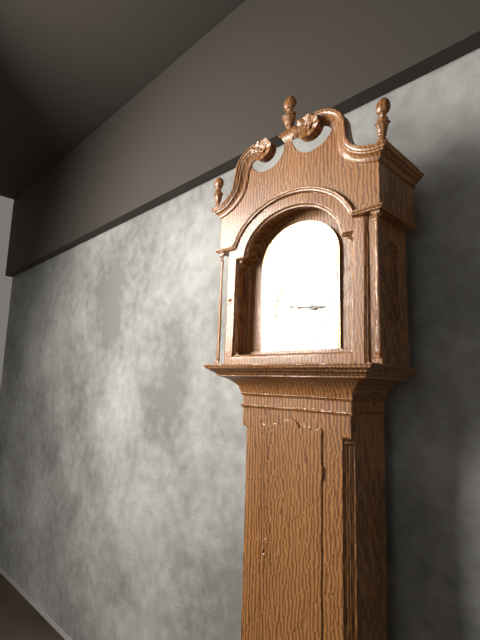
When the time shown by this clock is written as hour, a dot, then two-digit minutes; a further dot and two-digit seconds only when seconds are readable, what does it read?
3.16
